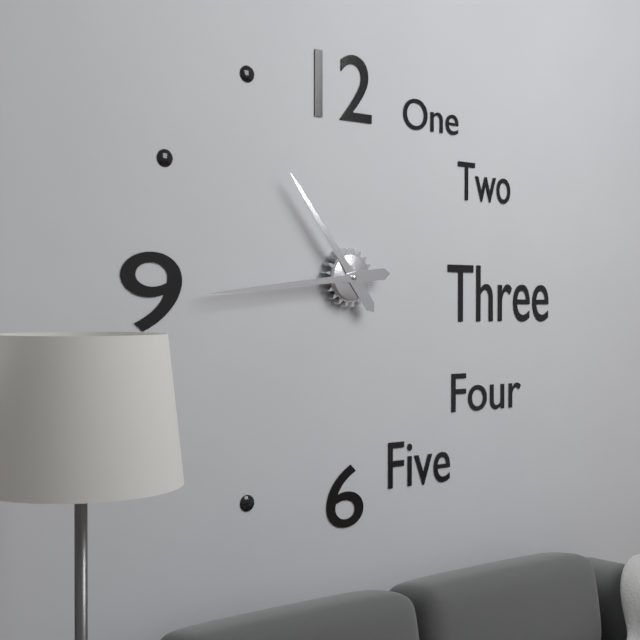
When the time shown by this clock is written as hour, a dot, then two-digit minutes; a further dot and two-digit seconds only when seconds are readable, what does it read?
10.44
